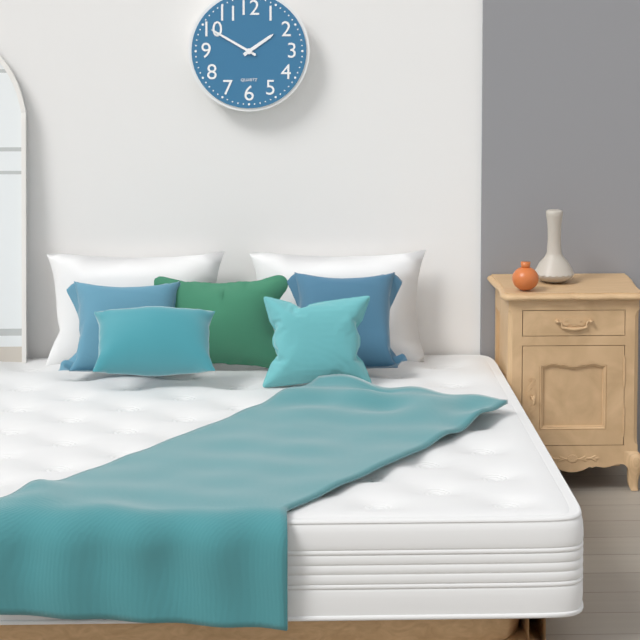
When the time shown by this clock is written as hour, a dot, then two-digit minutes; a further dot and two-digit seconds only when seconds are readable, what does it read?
1.50
